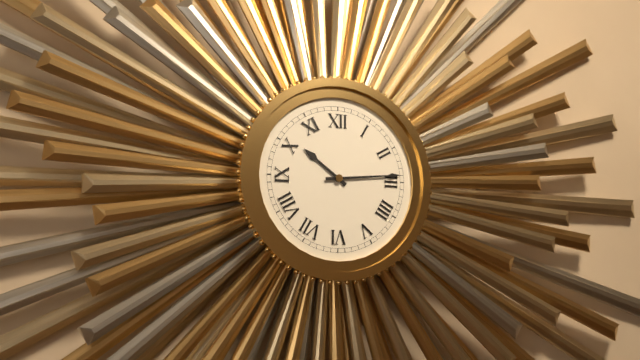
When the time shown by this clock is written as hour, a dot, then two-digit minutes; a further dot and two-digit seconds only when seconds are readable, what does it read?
10.14
